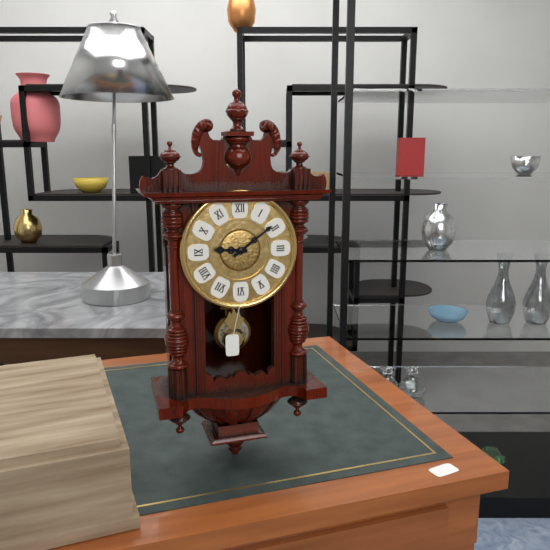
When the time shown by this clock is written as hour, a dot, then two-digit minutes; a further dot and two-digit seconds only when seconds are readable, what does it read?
9.09
